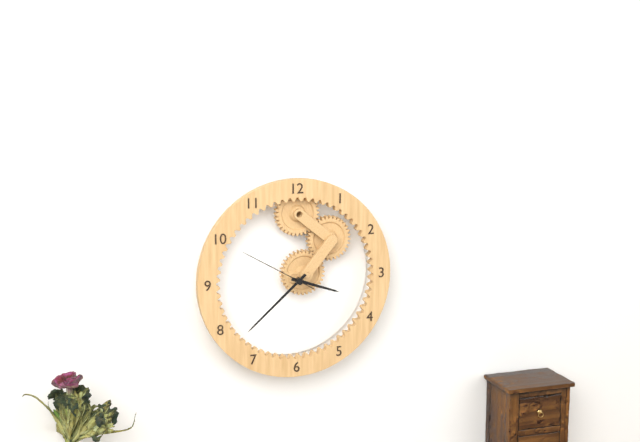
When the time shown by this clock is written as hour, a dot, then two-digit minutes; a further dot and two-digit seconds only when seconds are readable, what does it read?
3.38.50
